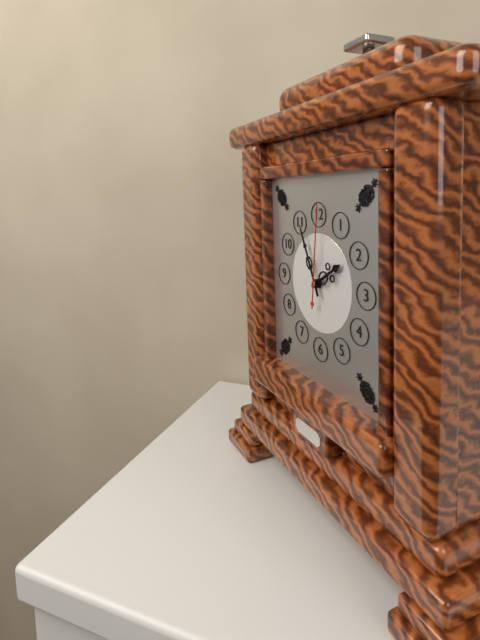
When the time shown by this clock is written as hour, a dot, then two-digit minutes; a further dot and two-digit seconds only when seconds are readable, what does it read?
1.56.01
